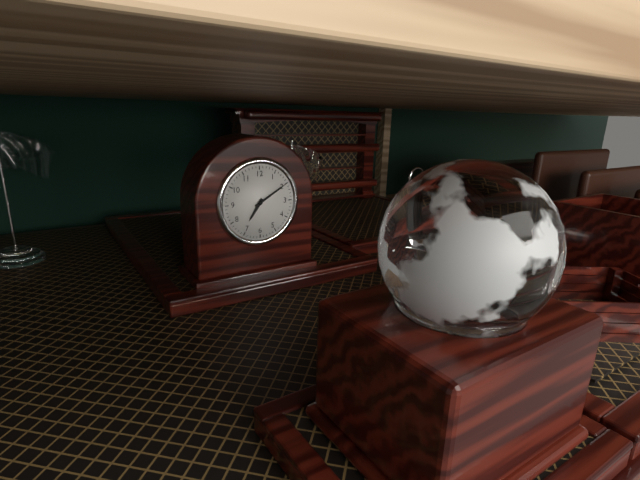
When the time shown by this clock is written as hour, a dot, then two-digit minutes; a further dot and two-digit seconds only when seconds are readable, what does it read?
7.10
